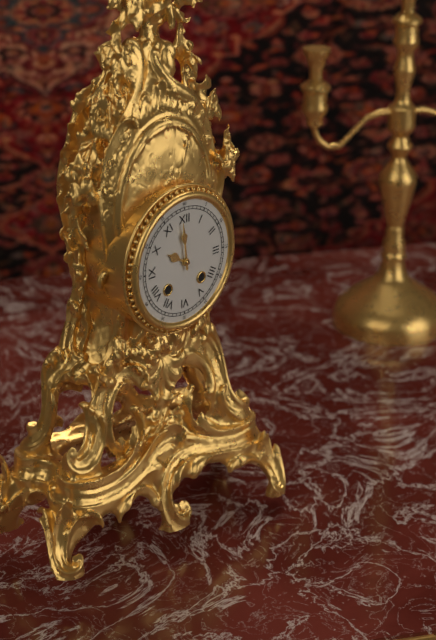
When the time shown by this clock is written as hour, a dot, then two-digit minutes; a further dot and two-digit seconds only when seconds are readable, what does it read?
9.59
